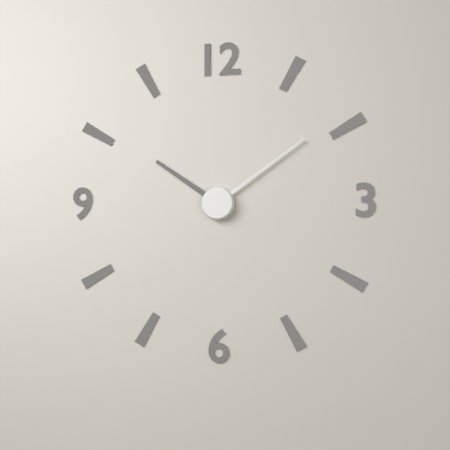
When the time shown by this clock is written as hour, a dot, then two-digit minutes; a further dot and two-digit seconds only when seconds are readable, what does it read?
10.09
